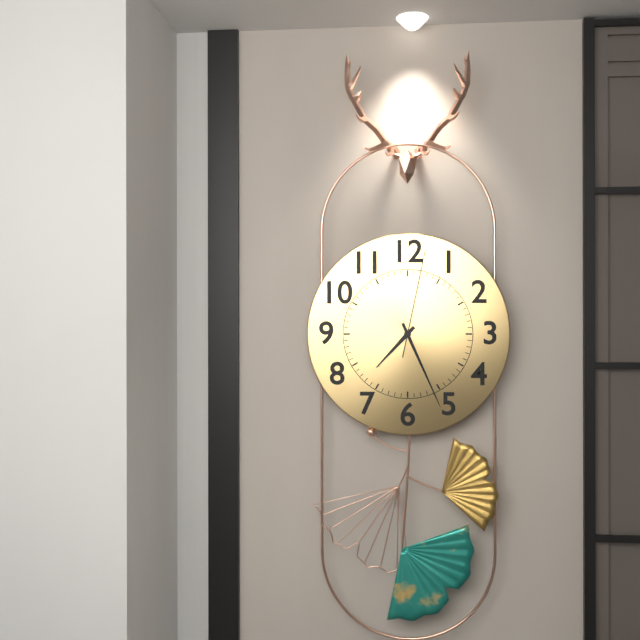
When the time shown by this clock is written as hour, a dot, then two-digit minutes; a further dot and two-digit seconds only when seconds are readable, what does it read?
7.26.02
